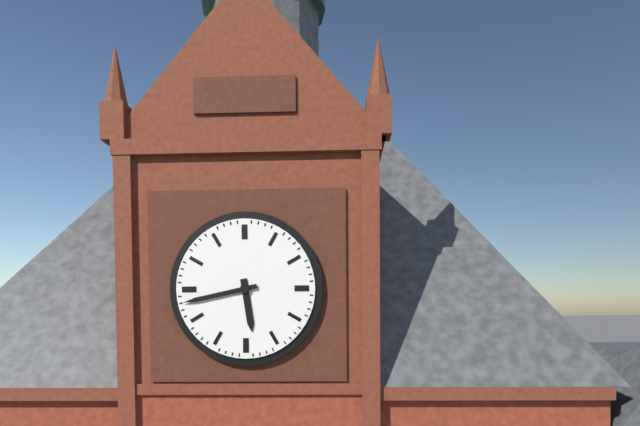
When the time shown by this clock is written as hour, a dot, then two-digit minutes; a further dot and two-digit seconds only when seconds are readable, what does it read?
5.43
